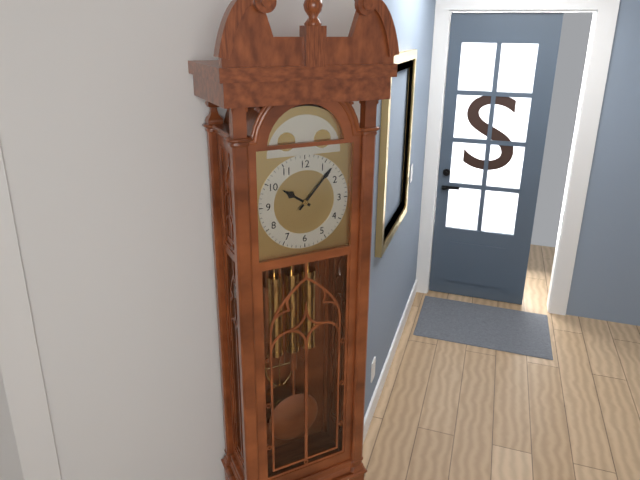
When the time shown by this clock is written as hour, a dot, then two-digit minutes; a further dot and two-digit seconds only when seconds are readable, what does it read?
10.07
